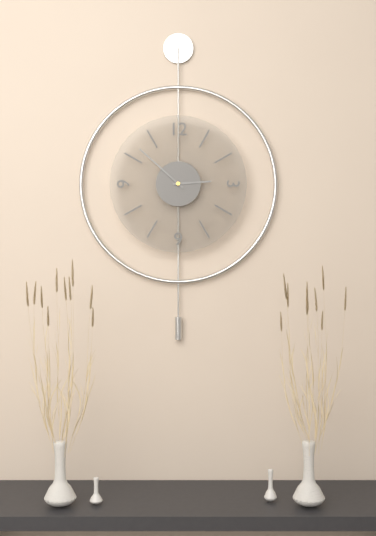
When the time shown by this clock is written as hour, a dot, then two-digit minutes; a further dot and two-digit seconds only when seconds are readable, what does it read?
2.52
